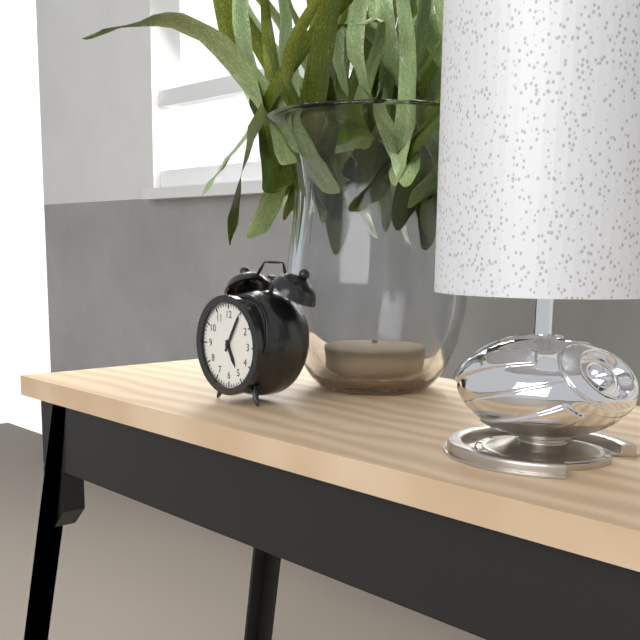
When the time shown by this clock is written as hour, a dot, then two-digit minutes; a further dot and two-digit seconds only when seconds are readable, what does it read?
5.05
